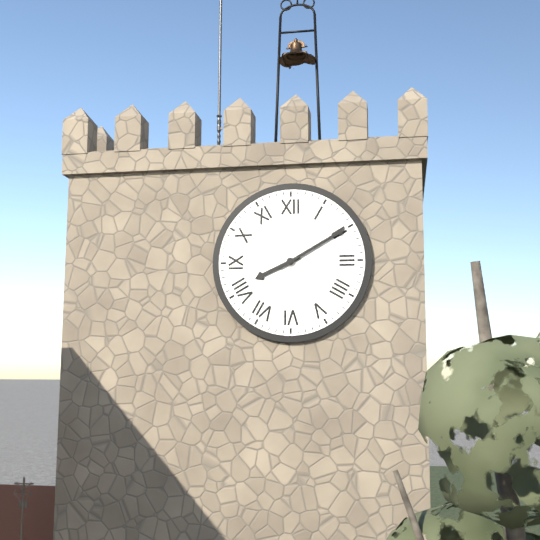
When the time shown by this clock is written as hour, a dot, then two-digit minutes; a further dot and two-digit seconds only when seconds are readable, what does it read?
8.10
